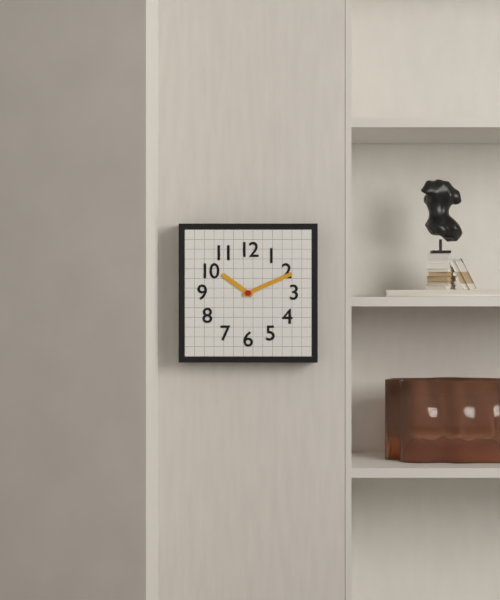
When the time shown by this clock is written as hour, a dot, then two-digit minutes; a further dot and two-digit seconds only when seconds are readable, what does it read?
10.11
